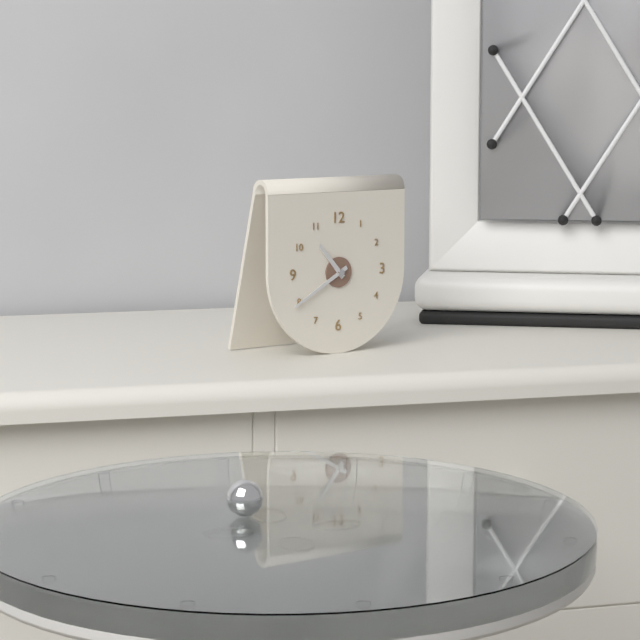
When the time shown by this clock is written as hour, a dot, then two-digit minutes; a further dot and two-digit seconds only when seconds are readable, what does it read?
10.40
